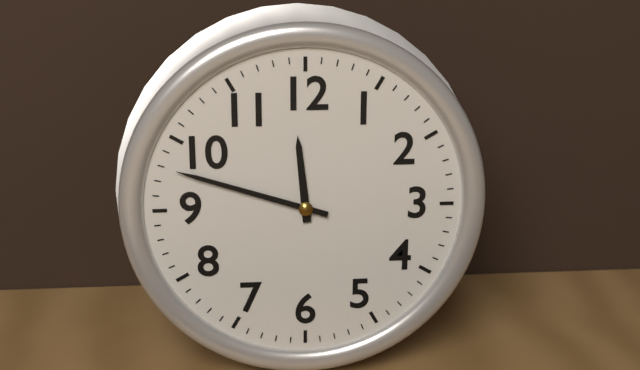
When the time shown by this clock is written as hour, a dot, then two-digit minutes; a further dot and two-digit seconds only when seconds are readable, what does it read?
11.48
